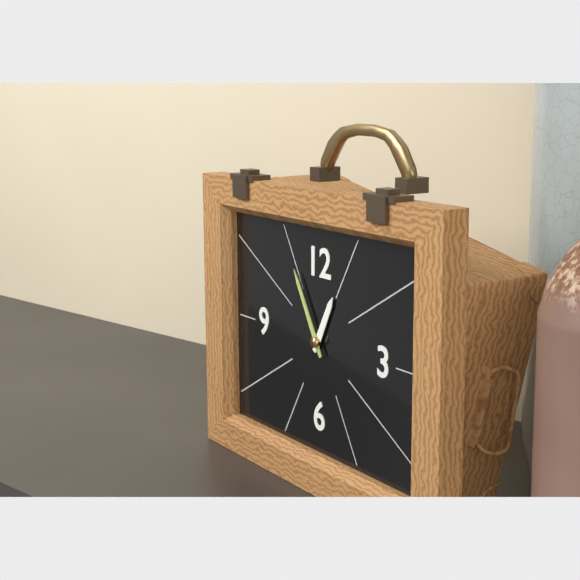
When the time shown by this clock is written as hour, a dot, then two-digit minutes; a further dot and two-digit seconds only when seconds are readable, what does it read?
12.55
